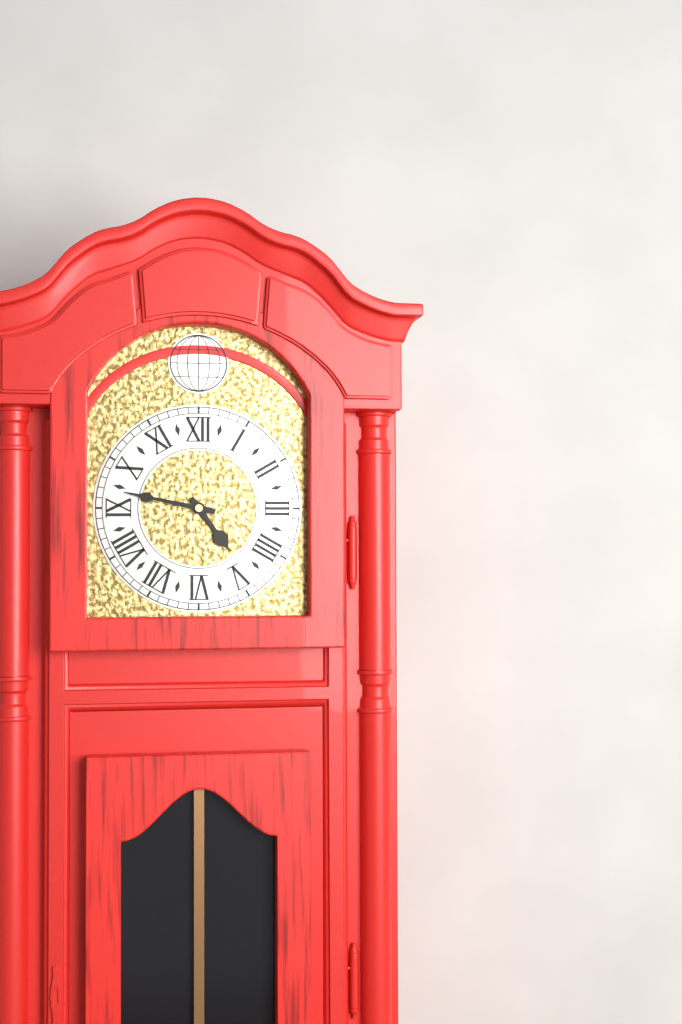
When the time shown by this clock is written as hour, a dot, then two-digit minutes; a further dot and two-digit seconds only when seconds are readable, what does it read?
4.47
